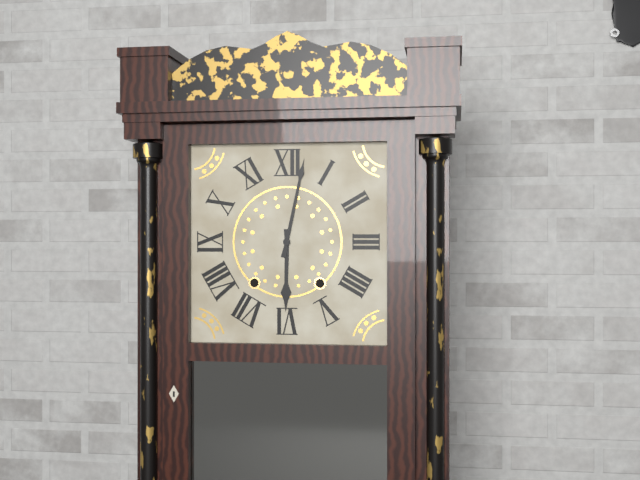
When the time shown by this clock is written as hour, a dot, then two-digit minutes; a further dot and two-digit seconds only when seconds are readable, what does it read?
6.02
